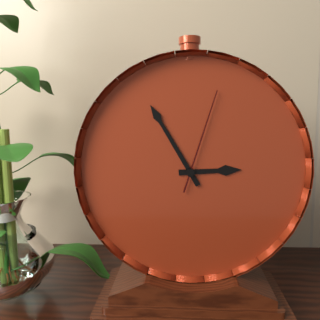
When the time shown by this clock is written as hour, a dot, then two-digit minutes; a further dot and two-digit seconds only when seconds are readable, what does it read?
2.55.03
